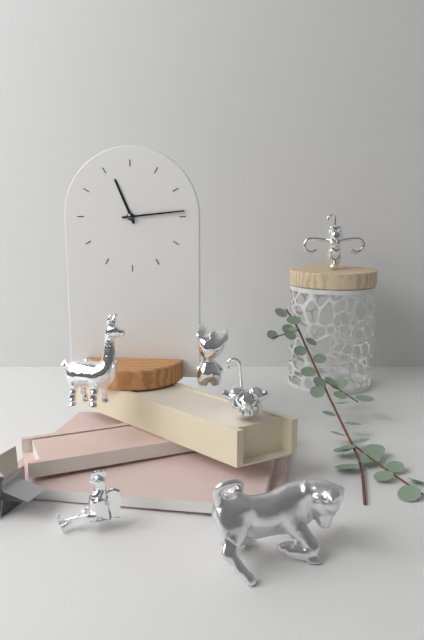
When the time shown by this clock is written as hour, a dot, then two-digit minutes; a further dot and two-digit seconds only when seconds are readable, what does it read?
11.14
